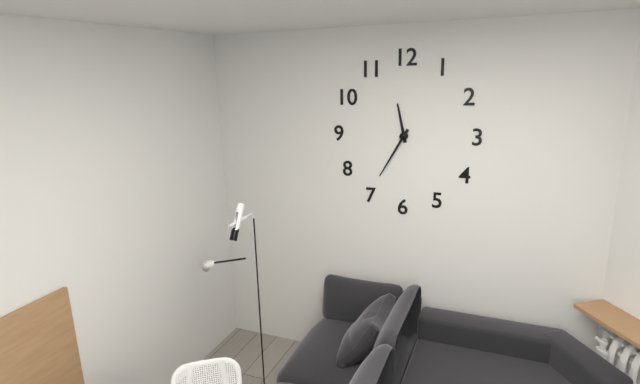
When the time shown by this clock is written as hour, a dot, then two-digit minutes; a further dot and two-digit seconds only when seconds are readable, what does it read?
11.35
